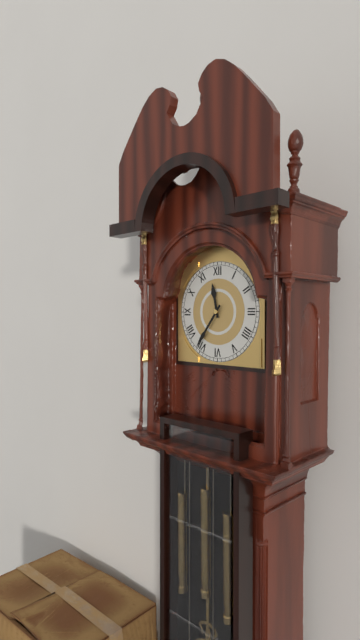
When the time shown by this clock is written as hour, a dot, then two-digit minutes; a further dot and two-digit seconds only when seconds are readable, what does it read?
11.36
